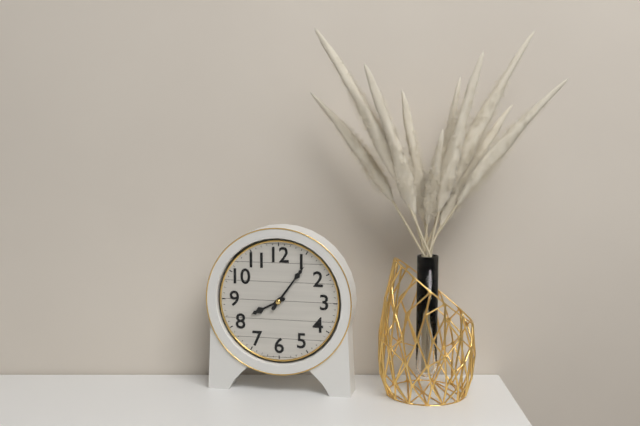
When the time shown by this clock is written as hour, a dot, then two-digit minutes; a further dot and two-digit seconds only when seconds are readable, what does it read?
8.06
